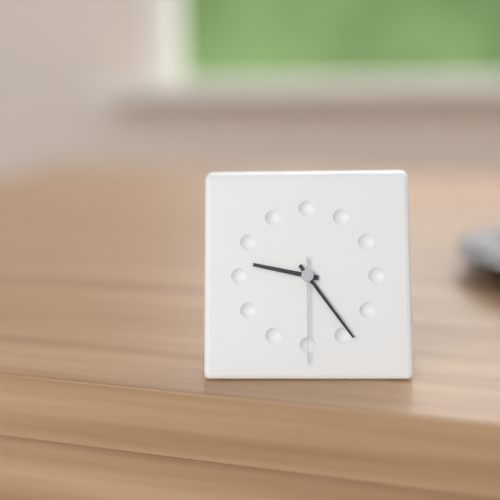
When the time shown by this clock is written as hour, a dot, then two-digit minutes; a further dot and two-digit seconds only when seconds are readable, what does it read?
9.24.30
